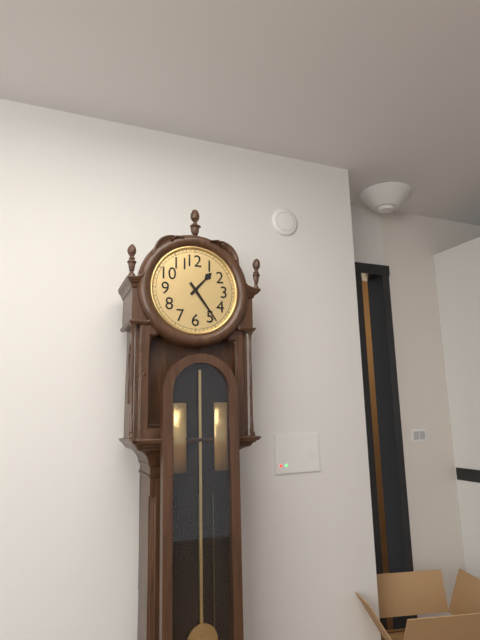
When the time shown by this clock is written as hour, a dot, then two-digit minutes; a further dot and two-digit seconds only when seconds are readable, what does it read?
1.24
